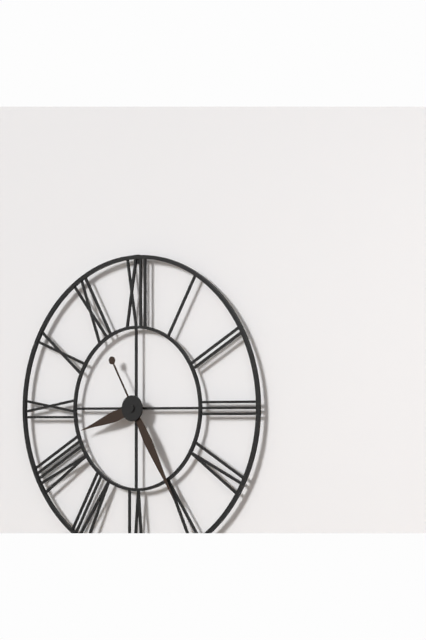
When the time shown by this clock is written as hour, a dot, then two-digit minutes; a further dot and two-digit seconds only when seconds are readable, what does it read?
8.25
